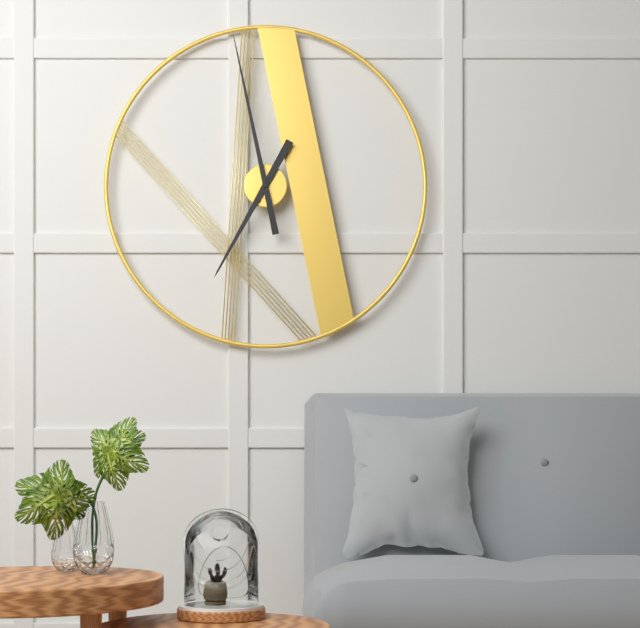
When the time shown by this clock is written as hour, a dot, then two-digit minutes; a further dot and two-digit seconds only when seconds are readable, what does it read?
6.58
